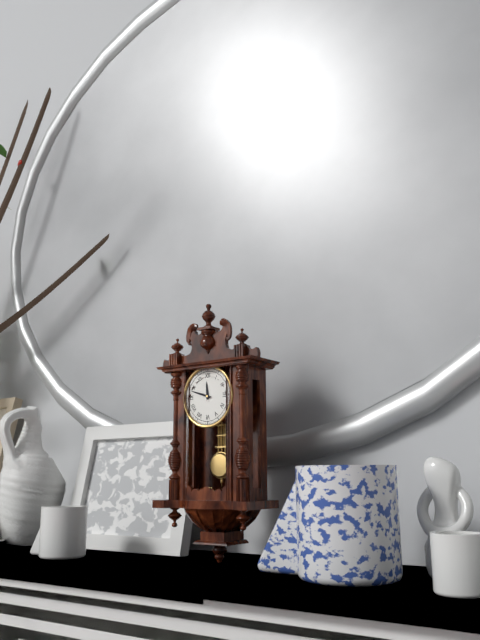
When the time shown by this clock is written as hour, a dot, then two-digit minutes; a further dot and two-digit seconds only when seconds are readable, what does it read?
11.48
